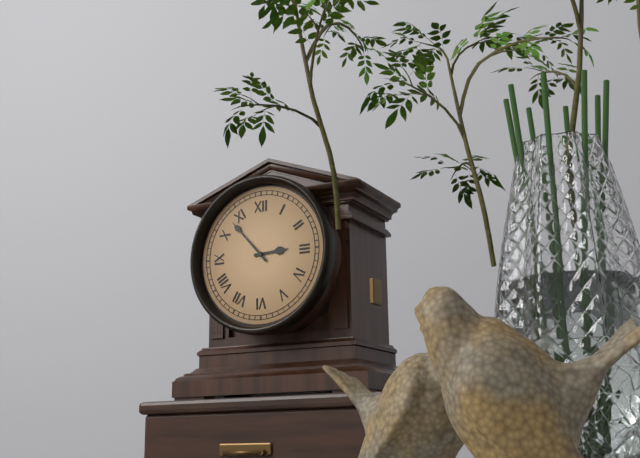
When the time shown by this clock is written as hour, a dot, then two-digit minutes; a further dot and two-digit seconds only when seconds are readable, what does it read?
2.53
